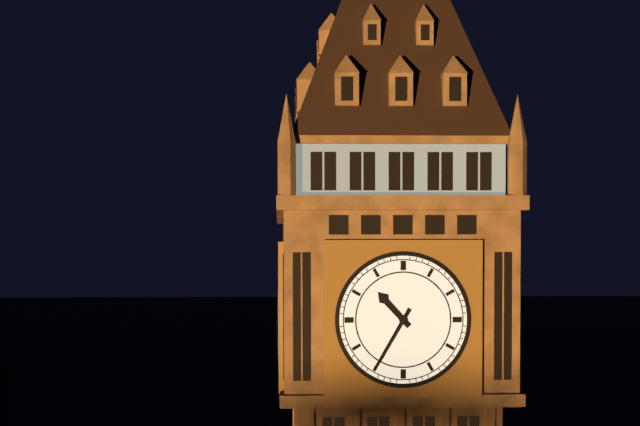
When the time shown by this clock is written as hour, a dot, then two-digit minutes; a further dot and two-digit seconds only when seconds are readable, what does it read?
10.35
